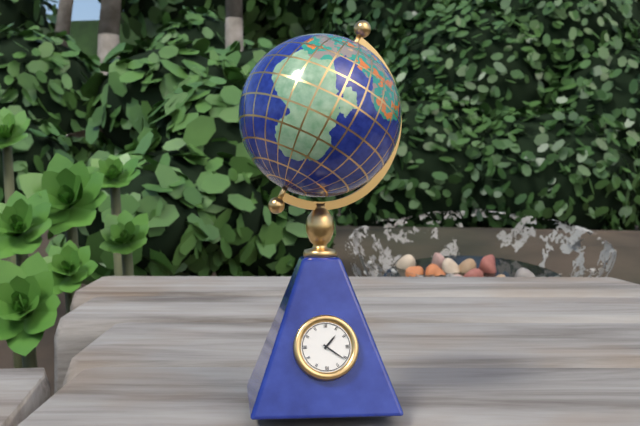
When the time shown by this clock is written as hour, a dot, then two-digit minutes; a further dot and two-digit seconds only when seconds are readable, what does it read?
1.21
